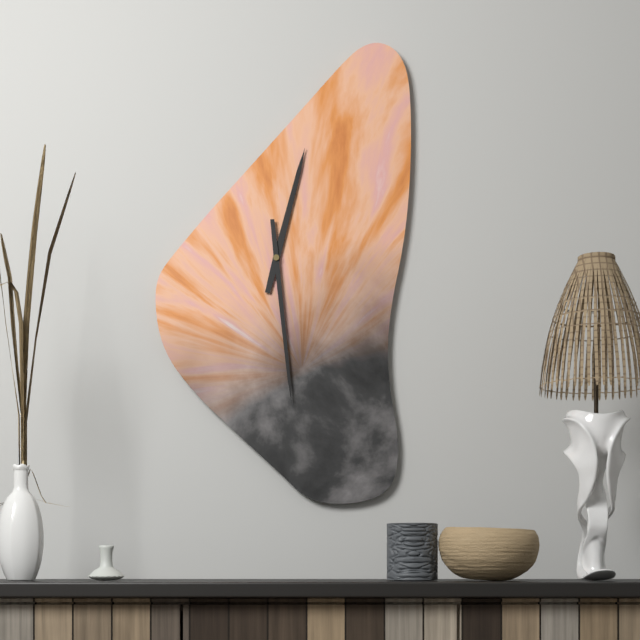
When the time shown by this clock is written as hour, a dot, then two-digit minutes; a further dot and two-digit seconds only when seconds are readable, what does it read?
12.29
